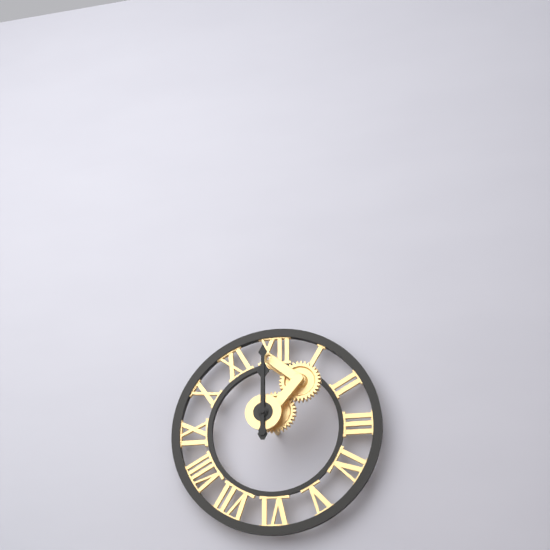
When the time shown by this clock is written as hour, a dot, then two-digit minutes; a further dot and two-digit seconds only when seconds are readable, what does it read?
12.00
